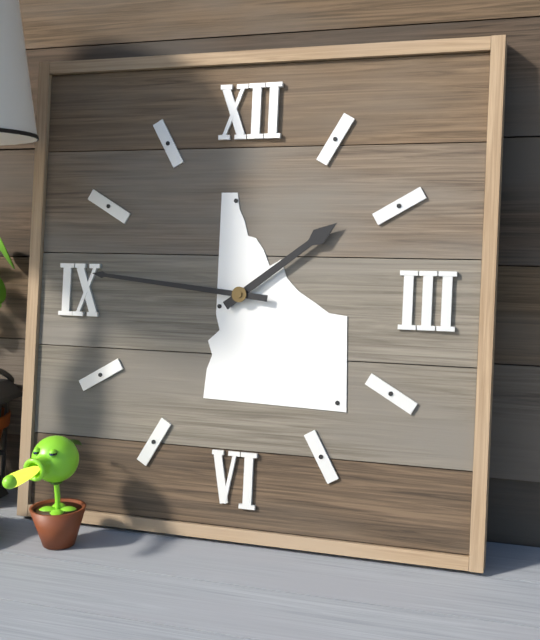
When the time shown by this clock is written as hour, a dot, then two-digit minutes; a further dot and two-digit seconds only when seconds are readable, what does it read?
1.46
